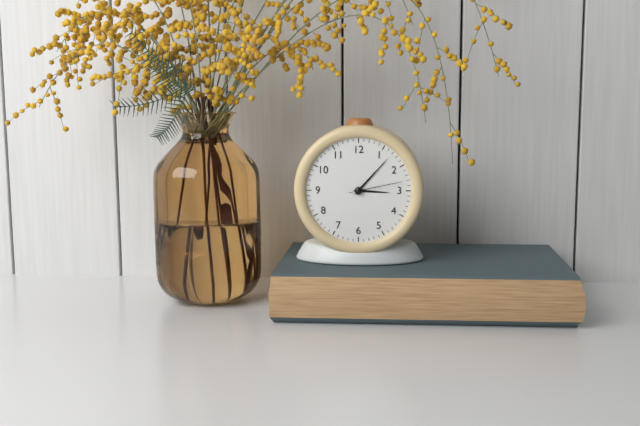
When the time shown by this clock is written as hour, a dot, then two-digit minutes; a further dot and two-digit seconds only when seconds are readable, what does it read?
3.07.13
